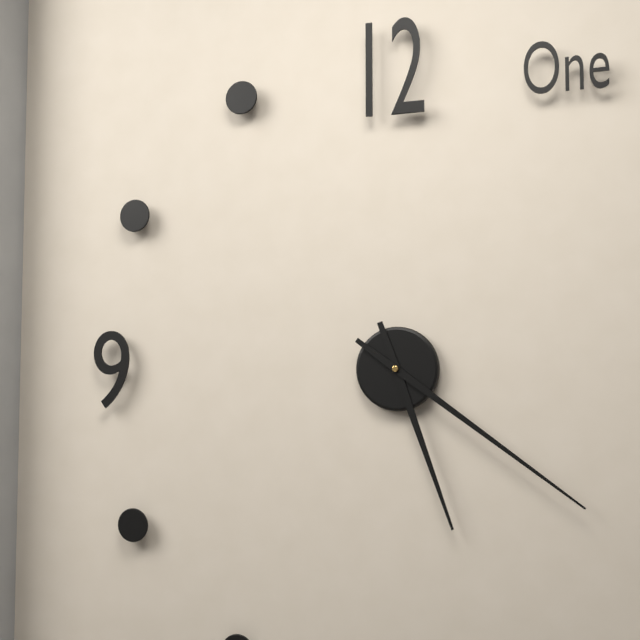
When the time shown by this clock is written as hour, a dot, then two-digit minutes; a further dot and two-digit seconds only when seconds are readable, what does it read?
5.21
